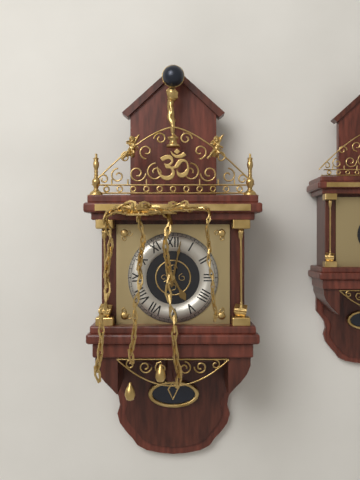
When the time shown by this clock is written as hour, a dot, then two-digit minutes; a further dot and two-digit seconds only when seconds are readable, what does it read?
5.02
